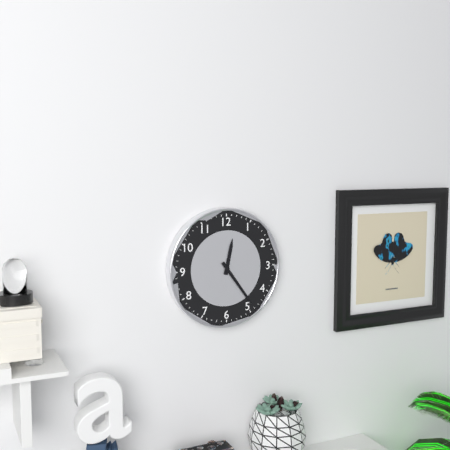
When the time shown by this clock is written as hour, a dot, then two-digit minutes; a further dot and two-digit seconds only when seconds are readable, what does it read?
12.24
